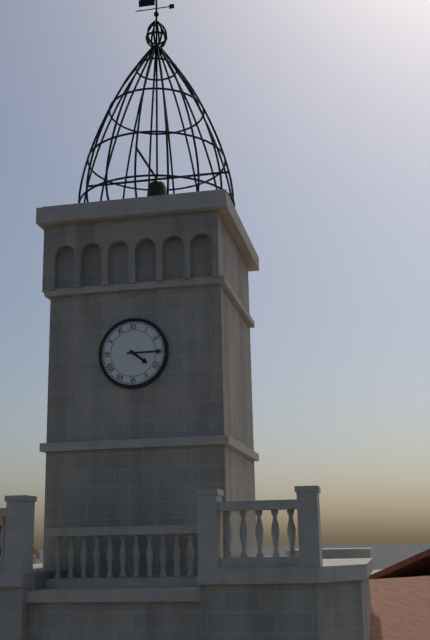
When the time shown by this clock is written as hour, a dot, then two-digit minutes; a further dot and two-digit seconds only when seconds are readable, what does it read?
4.15
